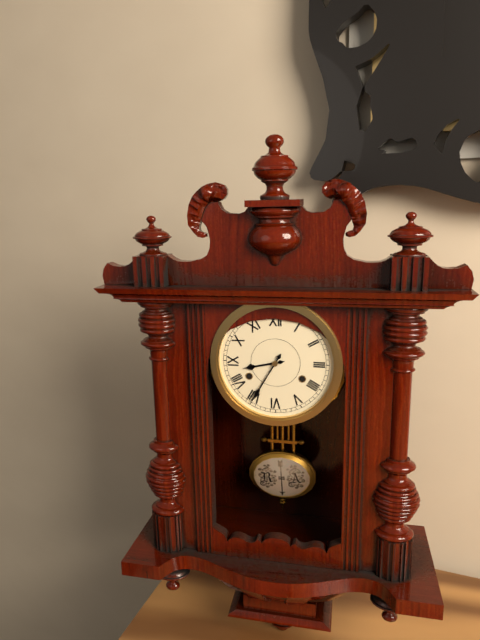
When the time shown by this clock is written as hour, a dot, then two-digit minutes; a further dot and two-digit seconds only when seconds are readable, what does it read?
8.35
